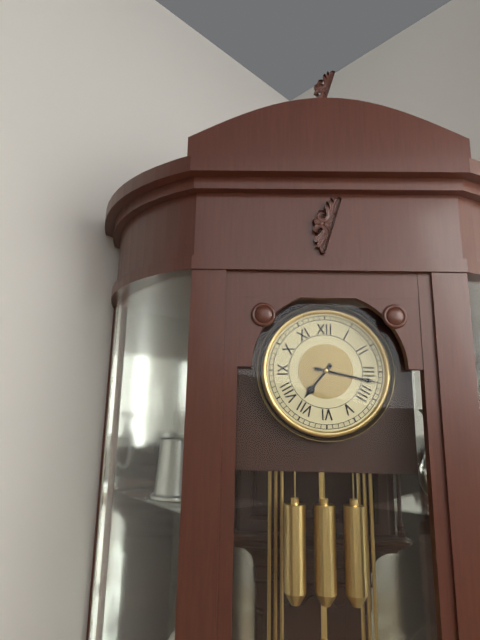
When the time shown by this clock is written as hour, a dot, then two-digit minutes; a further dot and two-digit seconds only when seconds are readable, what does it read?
7.17
